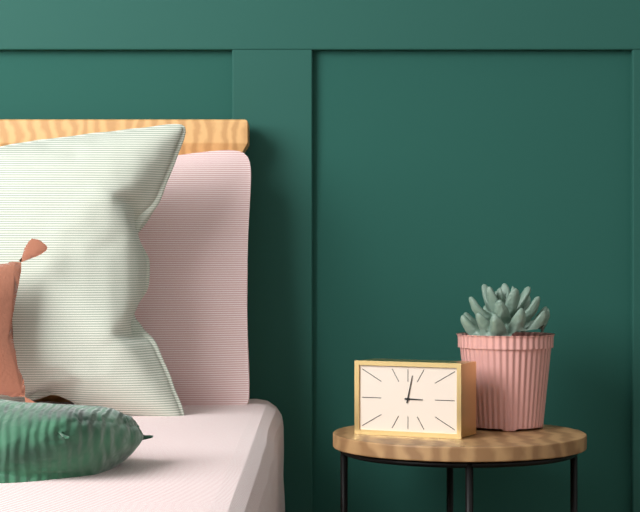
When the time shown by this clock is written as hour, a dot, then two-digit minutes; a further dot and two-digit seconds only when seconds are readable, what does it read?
3.02
